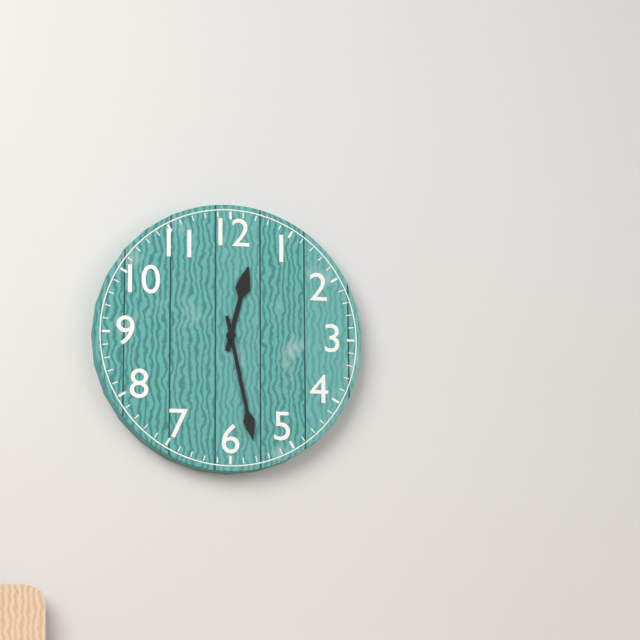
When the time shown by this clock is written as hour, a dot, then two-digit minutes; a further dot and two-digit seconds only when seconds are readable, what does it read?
12.28
